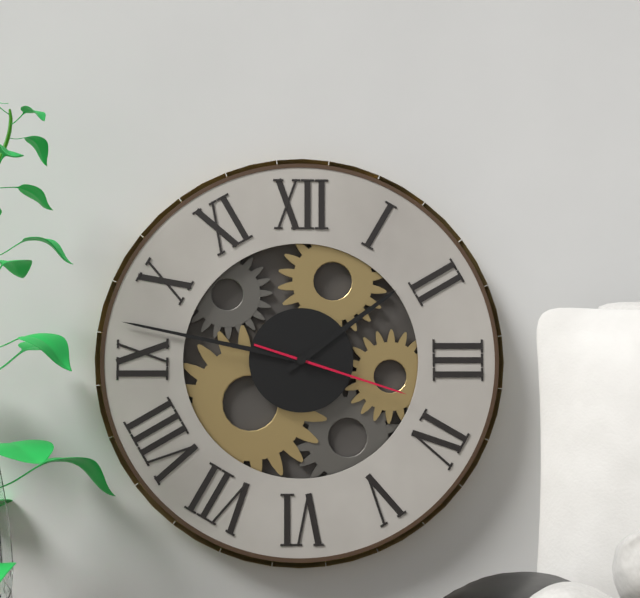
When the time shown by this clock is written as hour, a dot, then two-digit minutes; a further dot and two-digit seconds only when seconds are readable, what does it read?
1.47.18
